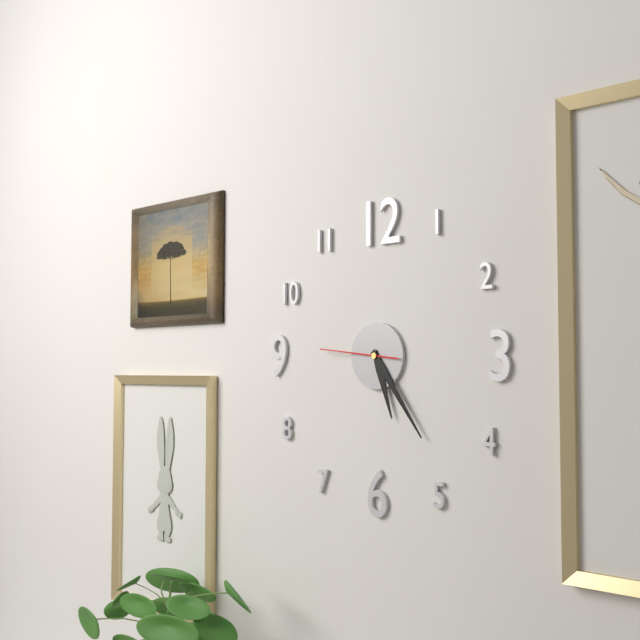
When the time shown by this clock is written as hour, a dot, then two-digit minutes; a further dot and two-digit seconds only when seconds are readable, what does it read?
5.24.46
